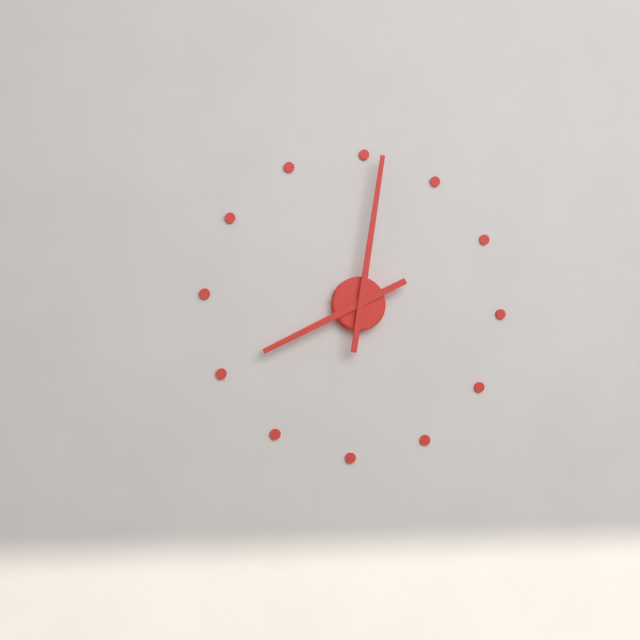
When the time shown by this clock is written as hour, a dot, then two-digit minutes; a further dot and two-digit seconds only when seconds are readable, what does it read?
8.01
